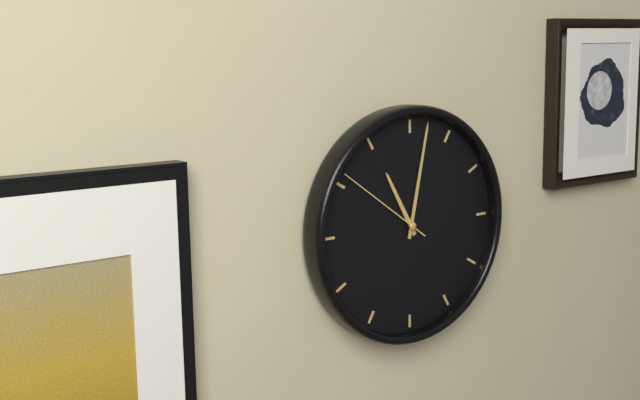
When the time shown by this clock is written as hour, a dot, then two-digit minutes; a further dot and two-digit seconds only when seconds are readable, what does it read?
11.02.51
